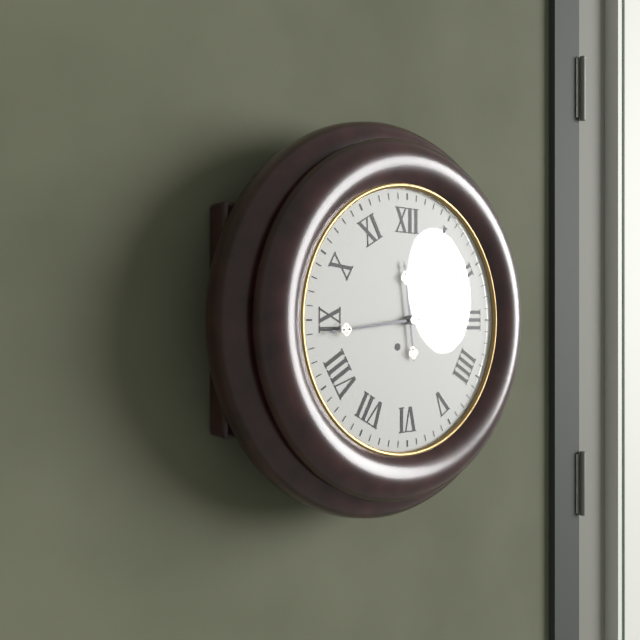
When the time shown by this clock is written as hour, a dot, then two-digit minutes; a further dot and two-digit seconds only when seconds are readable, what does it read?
11.44
